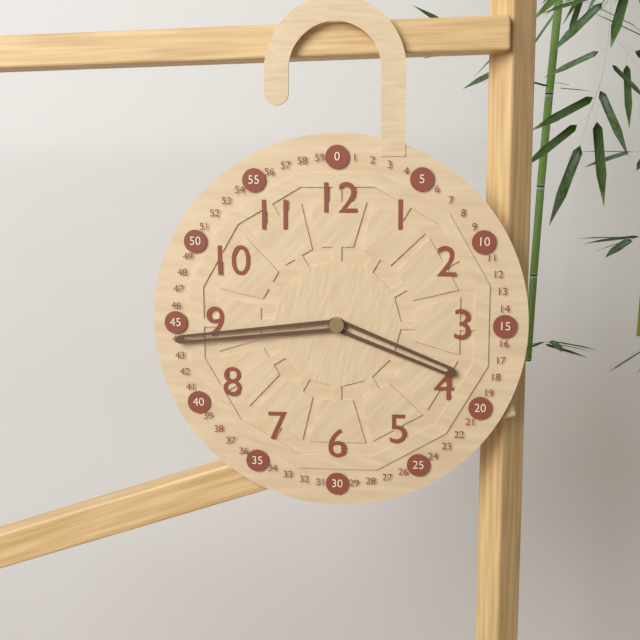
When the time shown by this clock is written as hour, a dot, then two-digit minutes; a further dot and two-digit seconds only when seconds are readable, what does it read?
3.44
